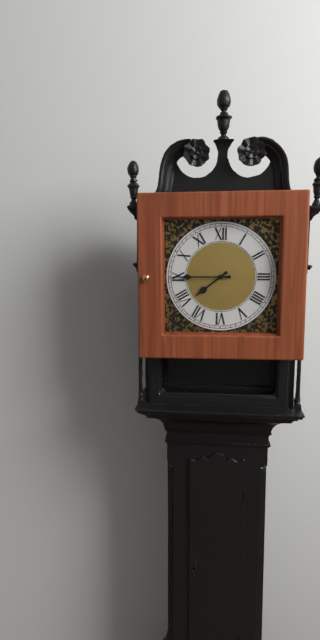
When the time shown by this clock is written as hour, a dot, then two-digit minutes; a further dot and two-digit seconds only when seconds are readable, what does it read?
7.45
